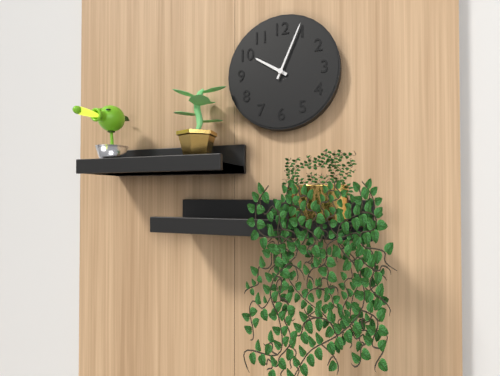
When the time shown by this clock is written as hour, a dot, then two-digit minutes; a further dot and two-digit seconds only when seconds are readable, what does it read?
10.04
